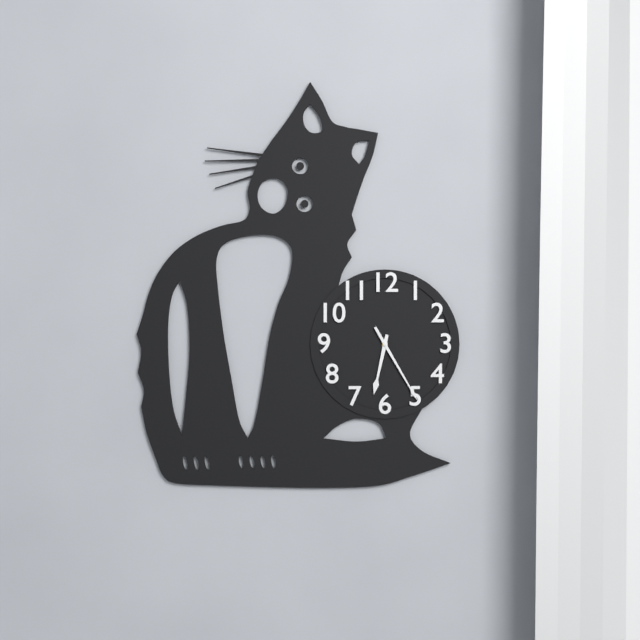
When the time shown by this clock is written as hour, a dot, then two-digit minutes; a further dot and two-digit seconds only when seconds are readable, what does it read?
6.25
